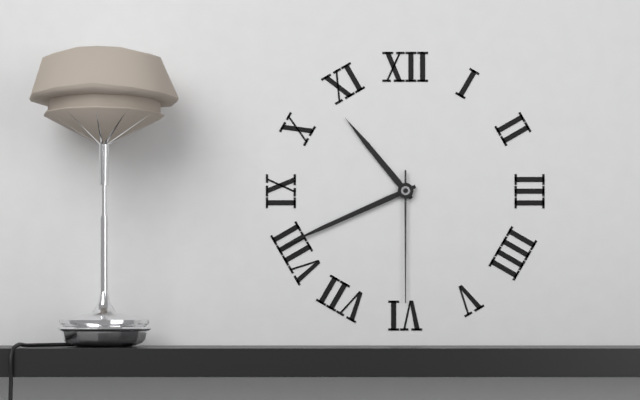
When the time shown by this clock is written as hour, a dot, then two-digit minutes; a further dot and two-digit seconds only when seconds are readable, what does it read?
10.41.30
